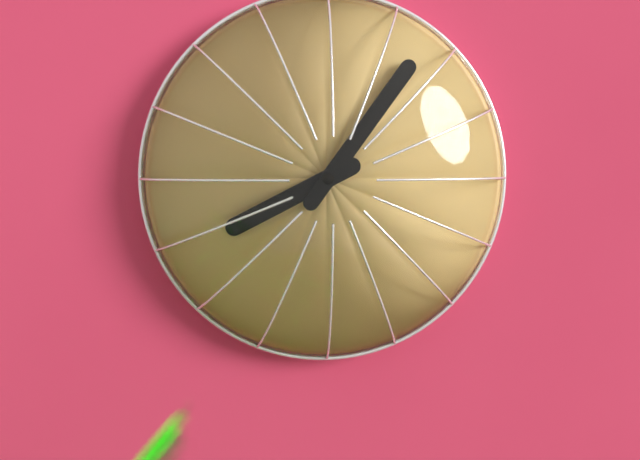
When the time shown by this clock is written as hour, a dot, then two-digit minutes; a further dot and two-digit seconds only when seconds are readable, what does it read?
8.06
